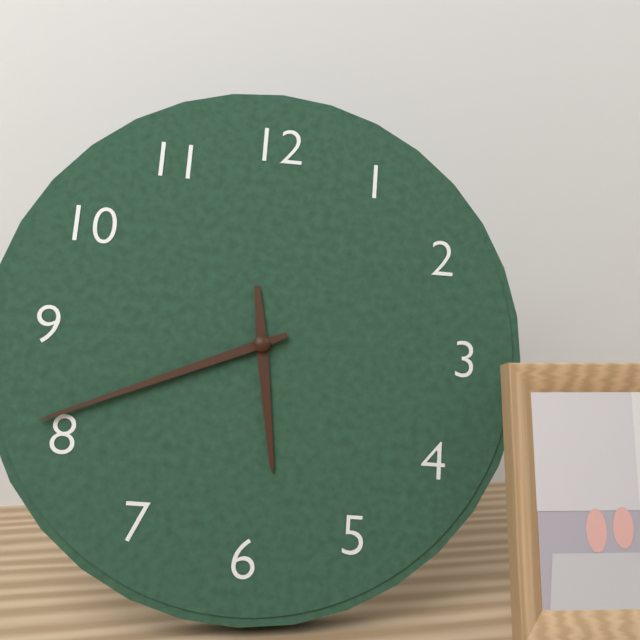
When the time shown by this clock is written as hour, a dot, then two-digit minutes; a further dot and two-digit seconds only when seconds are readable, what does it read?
5.41
